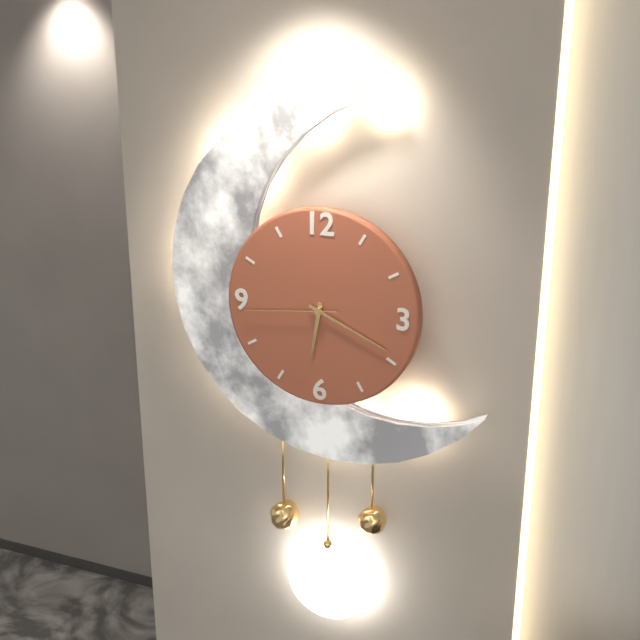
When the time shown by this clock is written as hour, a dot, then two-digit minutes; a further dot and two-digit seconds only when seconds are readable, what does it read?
6.19.44
